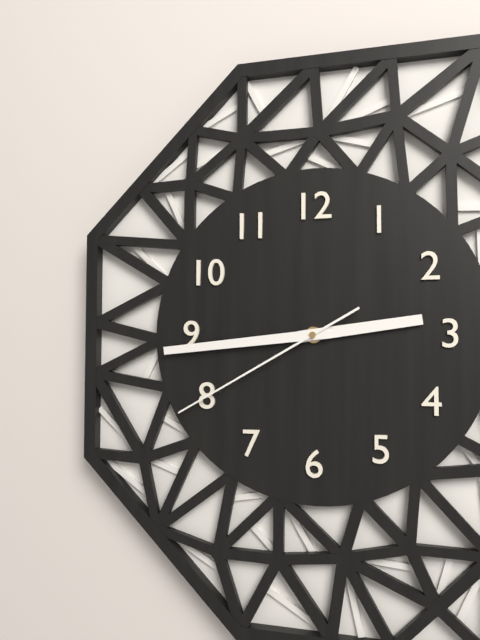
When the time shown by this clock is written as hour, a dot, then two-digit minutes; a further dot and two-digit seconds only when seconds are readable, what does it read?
2.44.40
